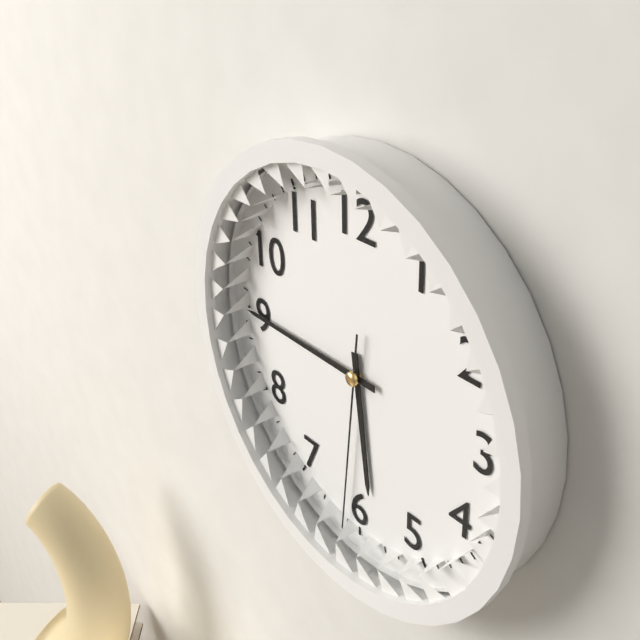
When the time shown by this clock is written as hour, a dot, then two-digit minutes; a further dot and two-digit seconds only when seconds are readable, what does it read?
5.45.31
